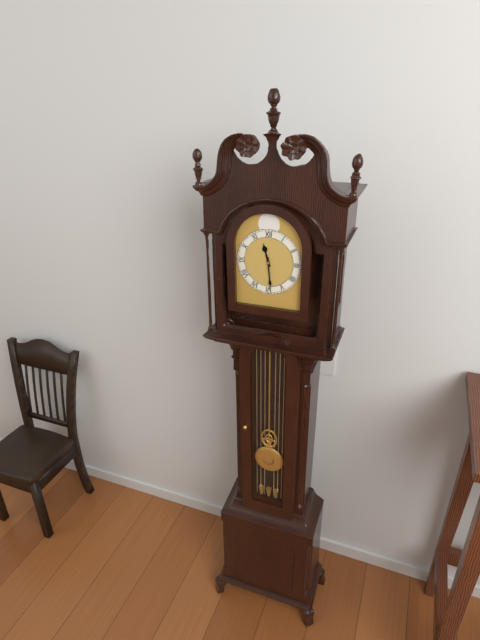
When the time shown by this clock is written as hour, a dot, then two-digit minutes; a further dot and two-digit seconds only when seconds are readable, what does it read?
11.29
